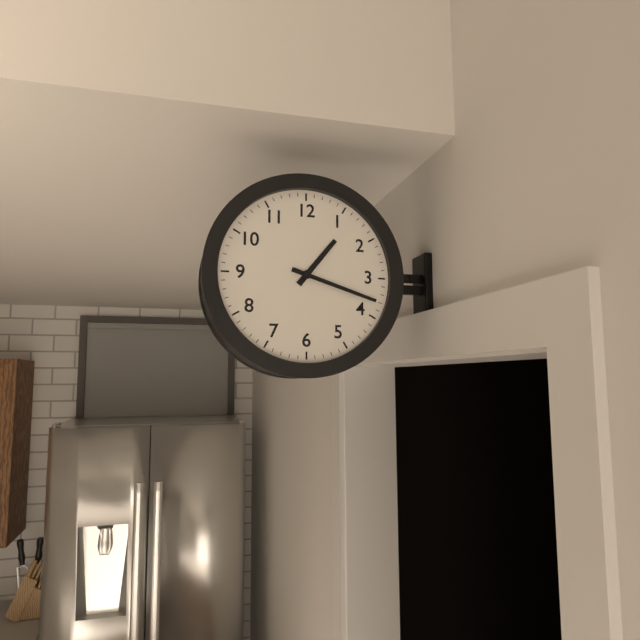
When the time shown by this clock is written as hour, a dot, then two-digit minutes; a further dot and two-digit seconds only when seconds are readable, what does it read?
1.18
